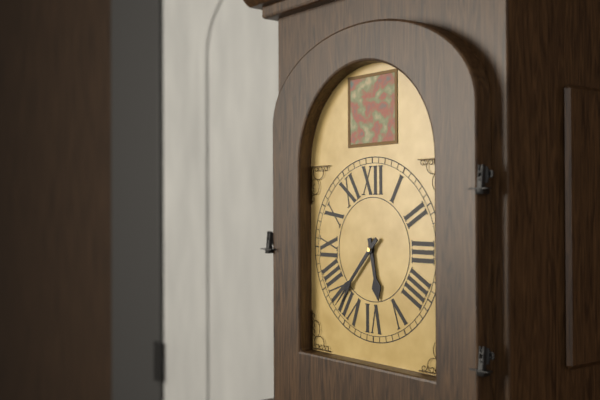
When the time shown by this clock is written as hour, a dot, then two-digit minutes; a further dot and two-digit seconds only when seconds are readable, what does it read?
5.37
